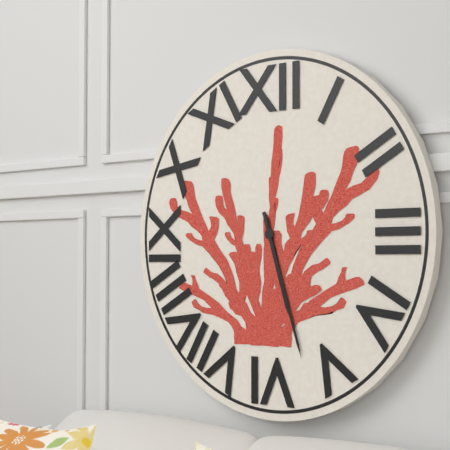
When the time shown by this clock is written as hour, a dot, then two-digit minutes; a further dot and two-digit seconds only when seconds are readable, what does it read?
5.27
